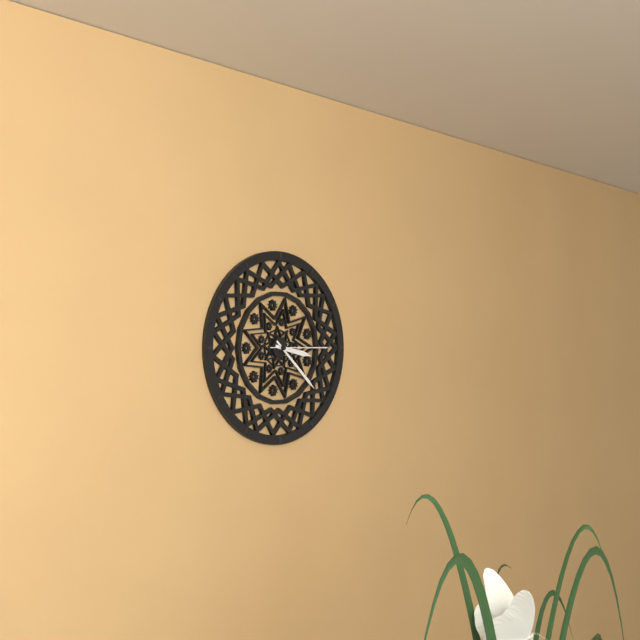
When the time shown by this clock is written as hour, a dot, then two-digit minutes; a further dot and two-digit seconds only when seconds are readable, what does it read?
3.22.15
